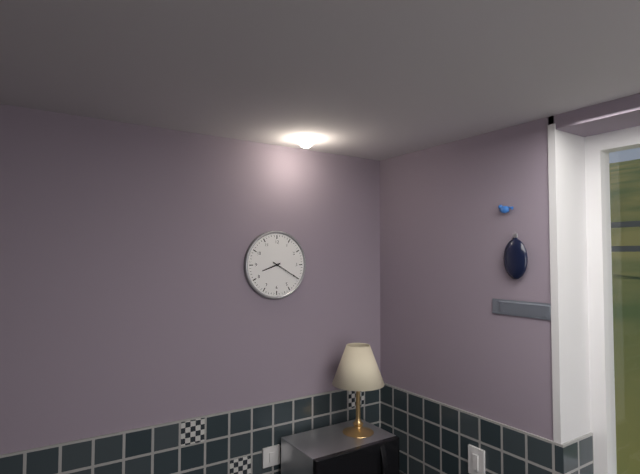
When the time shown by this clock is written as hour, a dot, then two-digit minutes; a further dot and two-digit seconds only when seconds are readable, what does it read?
8.20
